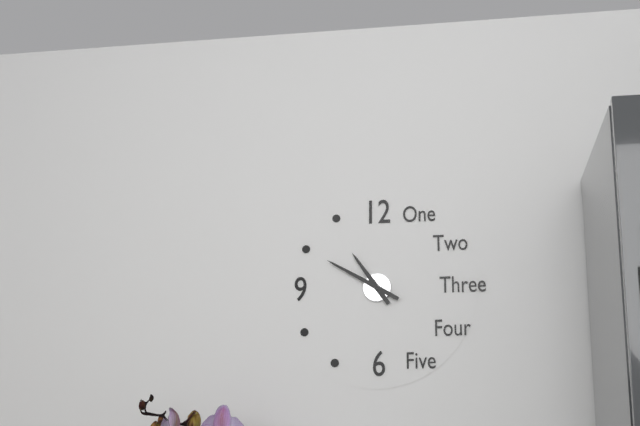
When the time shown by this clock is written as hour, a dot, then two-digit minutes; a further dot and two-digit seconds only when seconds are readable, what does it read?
10.50
